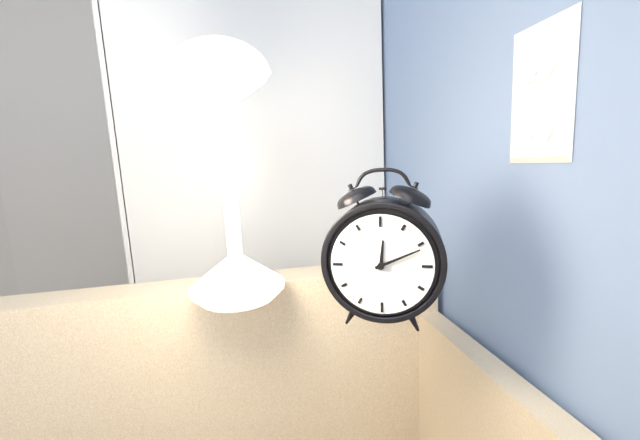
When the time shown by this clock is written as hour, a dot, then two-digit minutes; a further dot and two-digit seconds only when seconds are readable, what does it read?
12.11
